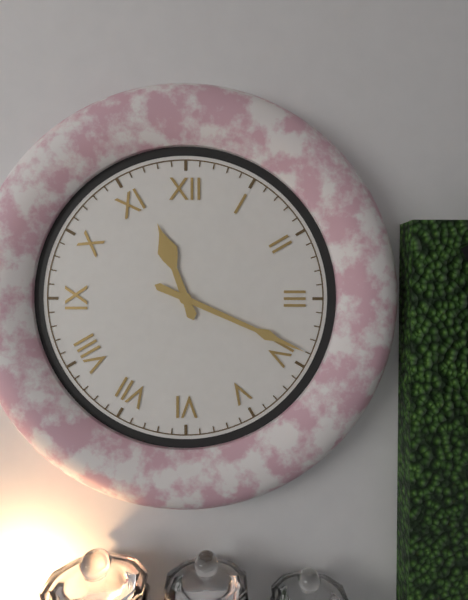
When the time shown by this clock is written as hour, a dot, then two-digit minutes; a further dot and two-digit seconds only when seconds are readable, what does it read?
11.19
